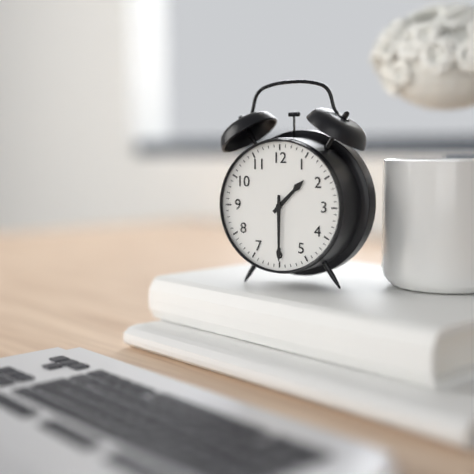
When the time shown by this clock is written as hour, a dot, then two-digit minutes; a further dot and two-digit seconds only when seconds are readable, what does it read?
1.30
